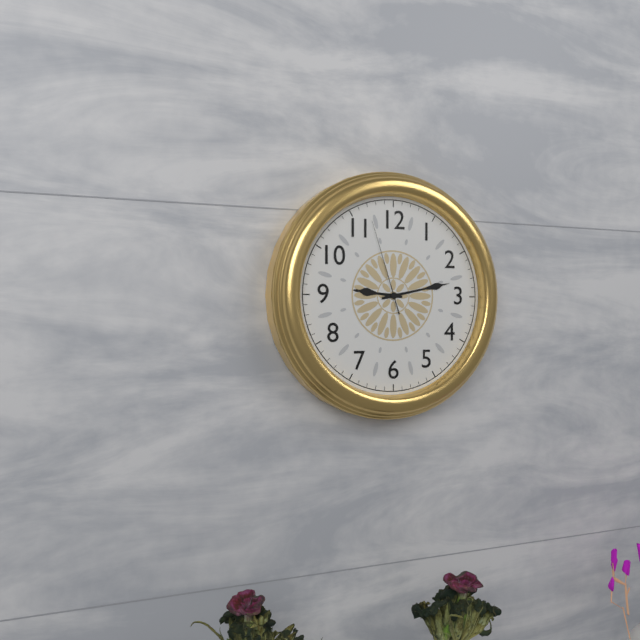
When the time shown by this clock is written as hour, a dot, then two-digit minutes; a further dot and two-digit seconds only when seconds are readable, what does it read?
9.13.57
